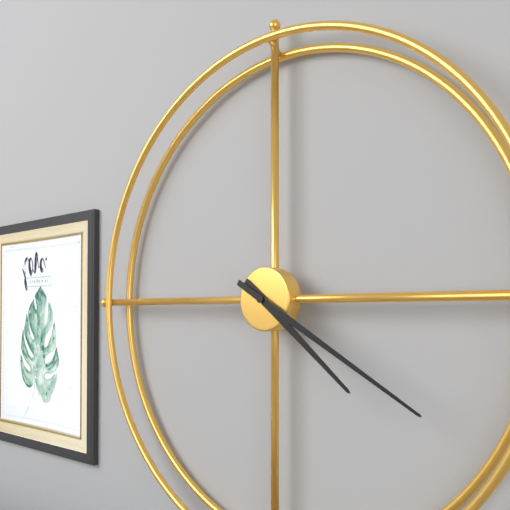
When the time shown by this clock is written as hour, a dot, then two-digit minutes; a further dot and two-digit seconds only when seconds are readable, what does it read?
4.20
